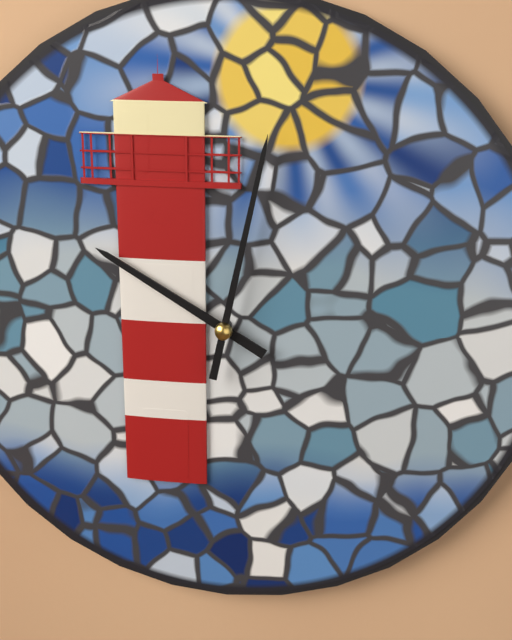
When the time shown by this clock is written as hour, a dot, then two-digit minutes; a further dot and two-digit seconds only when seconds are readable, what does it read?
10.02
